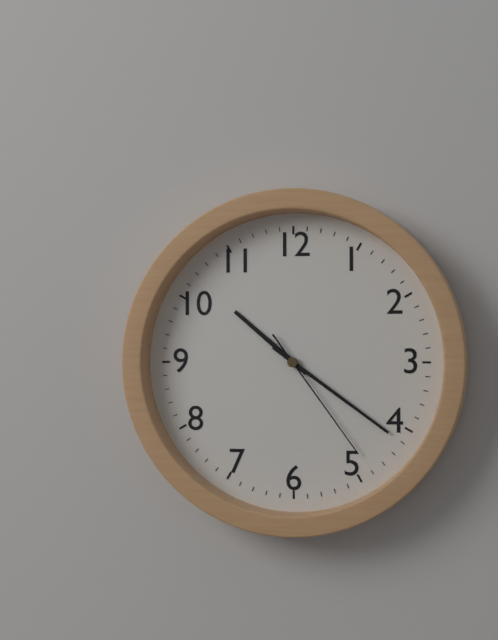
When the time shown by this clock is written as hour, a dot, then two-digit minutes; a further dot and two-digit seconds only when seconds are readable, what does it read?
10.21.24
